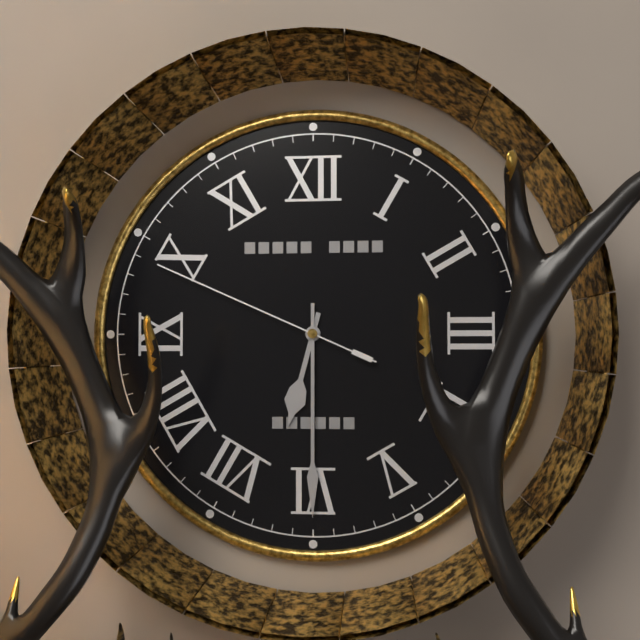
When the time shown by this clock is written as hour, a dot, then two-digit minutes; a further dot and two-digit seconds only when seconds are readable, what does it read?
6.30.49
